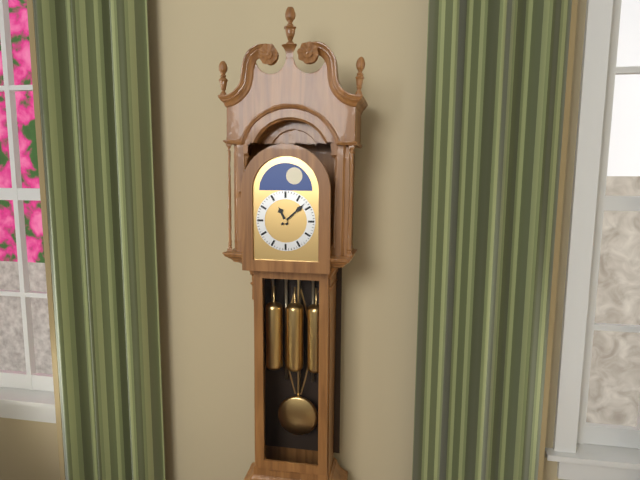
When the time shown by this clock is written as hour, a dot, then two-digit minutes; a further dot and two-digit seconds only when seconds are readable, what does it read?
11.08
